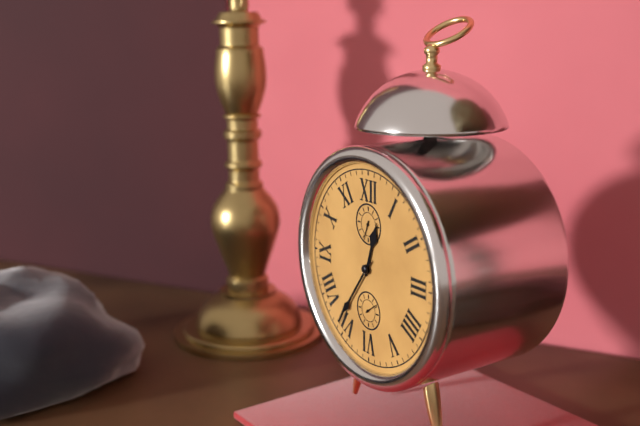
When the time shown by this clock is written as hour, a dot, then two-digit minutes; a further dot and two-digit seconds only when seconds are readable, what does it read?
12.36
